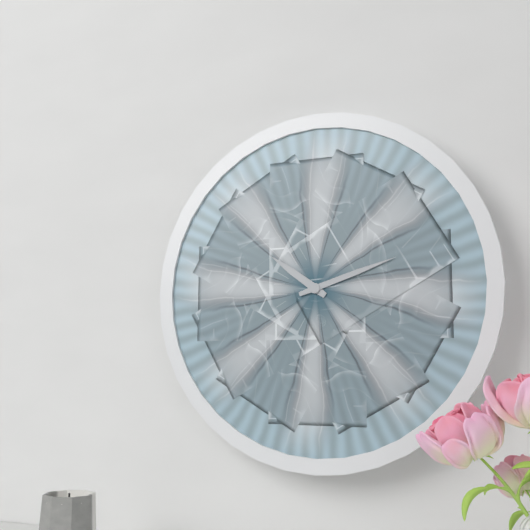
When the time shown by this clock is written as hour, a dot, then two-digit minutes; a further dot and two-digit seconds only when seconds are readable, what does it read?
10.12
